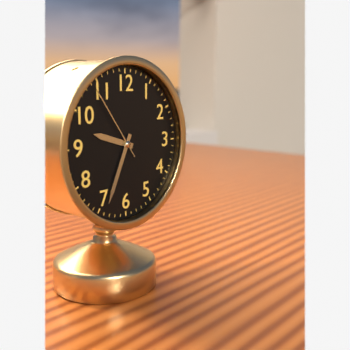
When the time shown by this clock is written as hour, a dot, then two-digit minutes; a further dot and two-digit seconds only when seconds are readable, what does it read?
9.34.54
